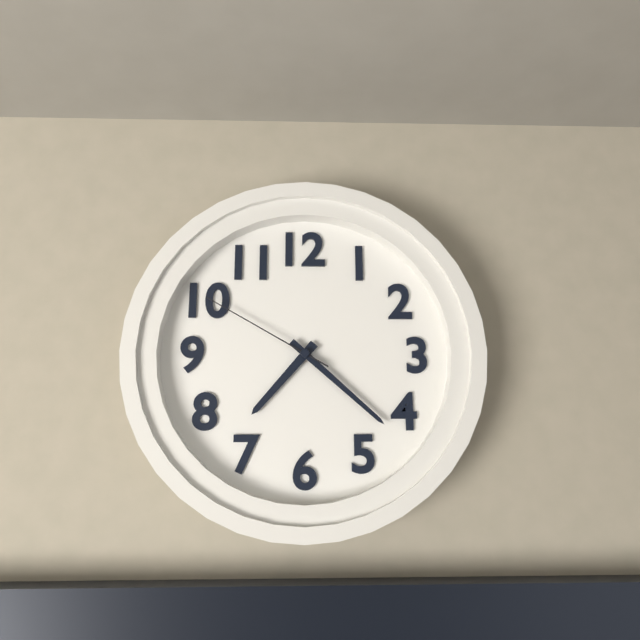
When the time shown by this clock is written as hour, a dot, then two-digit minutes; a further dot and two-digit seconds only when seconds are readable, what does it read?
7.22.50
